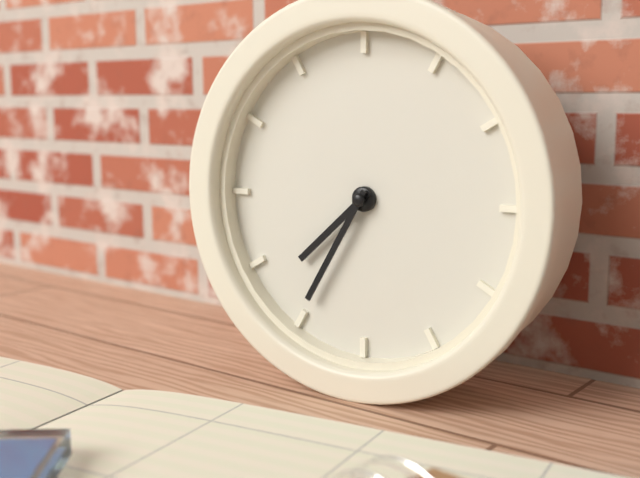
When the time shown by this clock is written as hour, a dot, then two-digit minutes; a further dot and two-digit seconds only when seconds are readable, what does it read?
7.35
